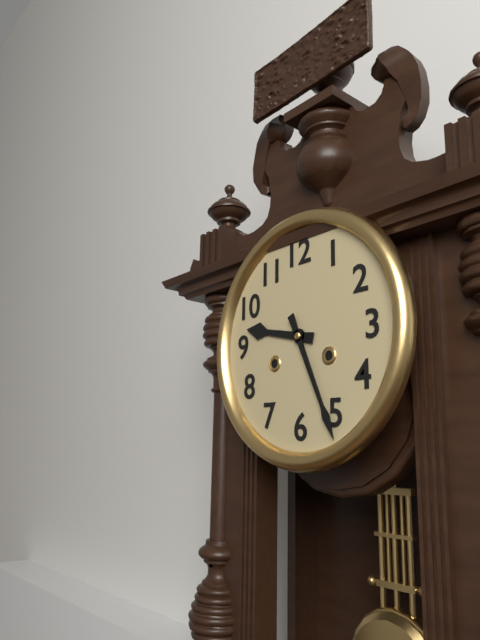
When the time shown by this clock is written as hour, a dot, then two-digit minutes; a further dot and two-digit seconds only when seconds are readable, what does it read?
9.26
